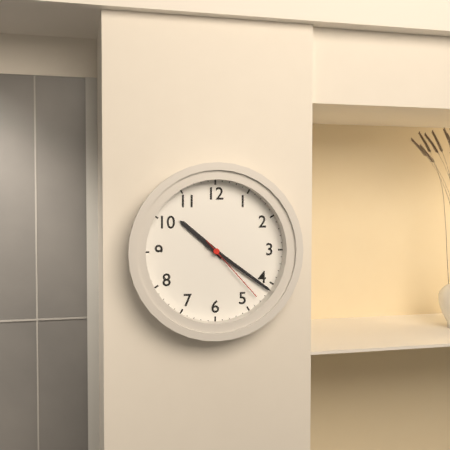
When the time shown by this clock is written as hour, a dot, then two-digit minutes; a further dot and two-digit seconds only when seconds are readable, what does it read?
10.21.23
